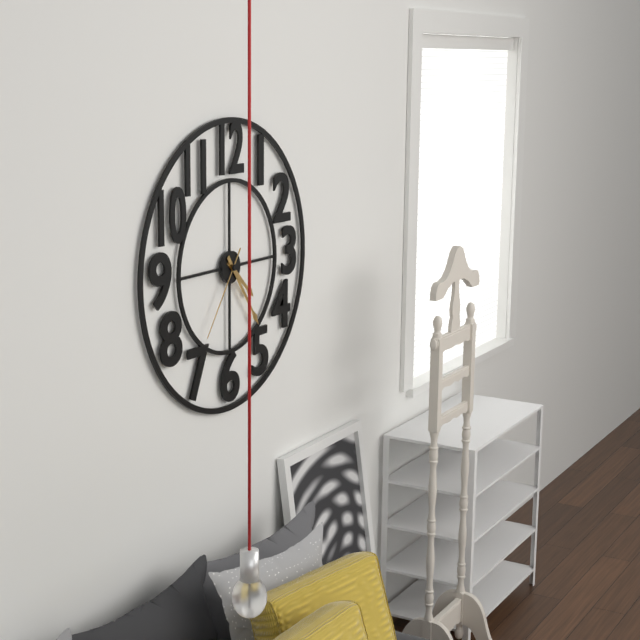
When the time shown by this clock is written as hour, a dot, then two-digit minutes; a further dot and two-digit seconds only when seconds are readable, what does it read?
4.24.36
